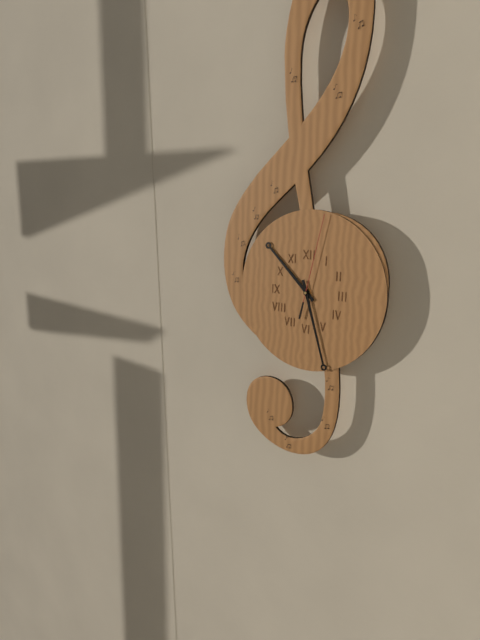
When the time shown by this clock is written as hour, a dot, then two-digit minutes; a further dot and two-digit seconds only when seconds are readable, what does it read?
10.27.02
